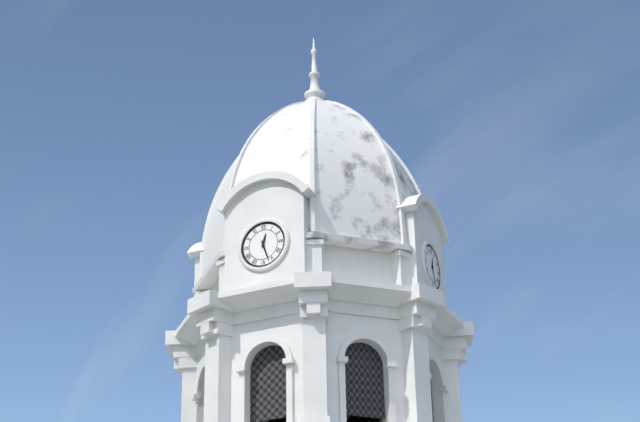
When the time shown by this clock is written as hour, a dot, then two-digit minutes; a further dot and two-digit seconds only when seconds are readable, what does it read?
12.27
